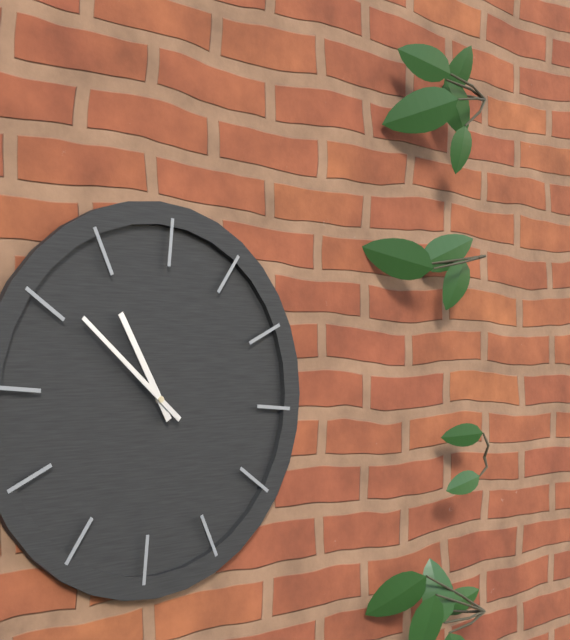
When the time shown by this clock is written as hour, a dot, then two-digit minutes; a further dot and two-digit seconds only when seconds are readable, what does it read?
10.51
